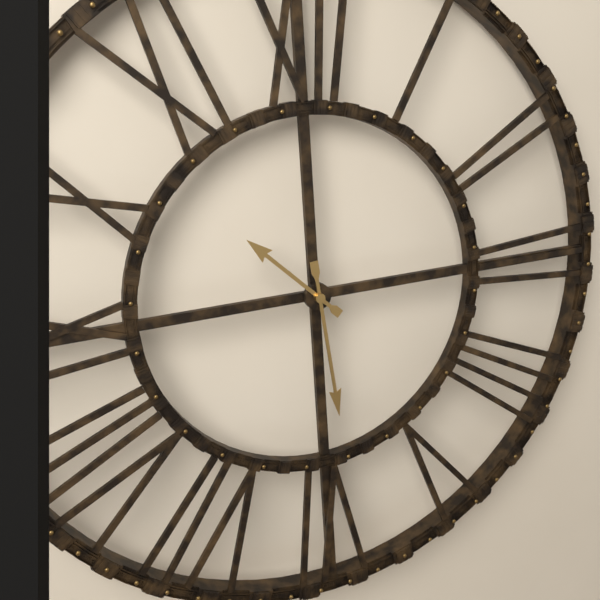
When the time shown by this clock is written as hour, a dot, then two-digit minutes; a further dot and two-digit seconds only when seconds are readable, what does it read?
10.29
